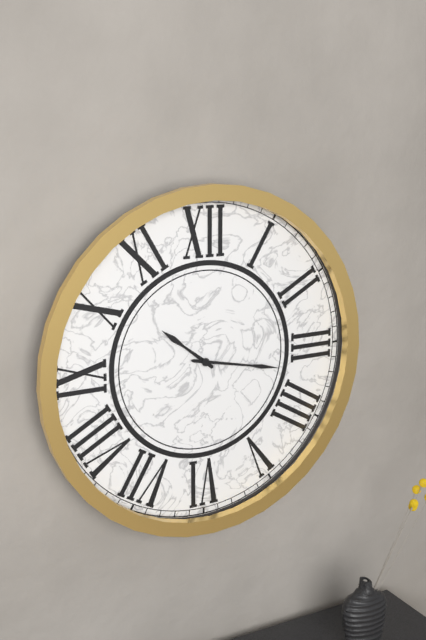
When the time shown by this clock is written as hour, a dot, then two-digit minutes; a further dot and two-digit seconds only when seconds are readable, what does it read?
10.17
